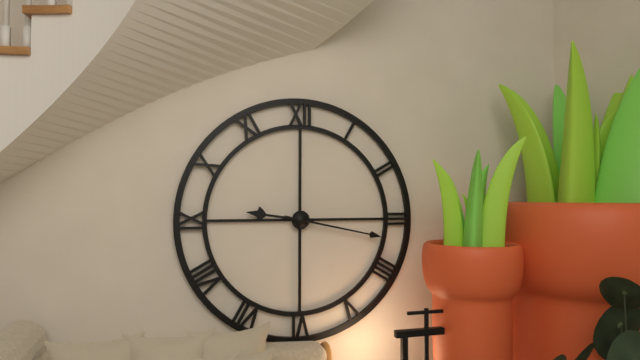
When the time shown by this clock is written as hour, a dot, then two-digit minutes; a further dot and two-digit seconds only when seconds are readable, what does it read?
9.17
